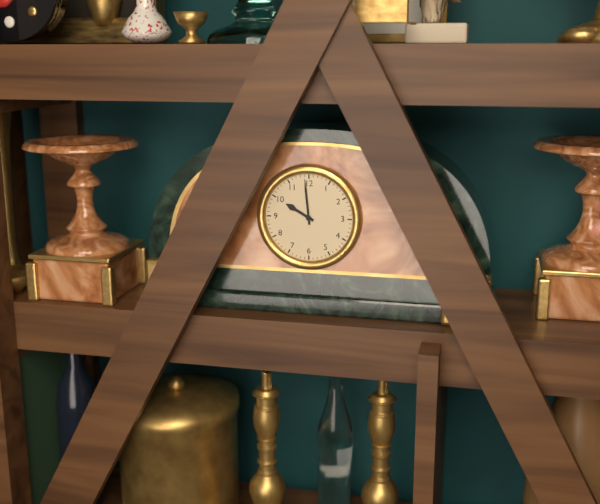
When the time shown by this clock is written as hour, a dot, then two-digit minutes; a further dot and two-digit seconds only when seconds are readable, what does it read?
9.59
